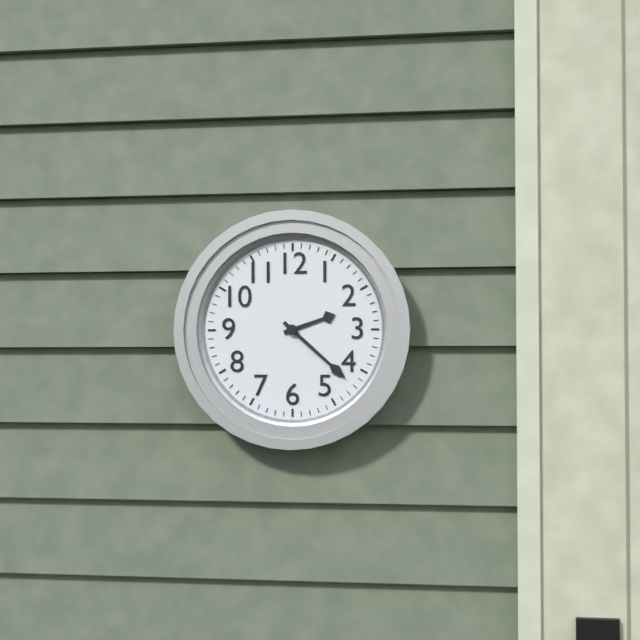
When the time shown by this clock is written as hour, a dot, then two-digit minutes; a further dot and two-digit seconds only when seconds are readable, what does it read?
2.22
